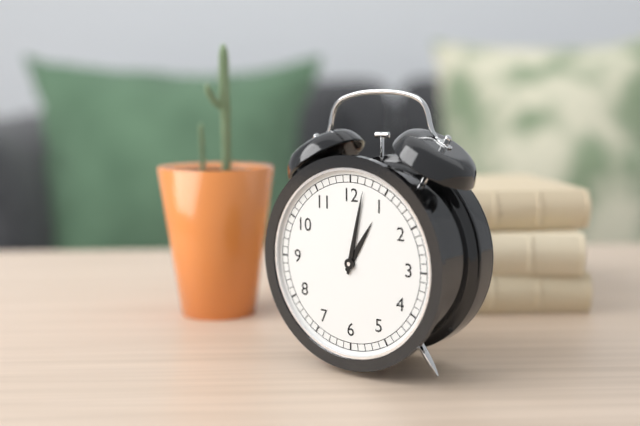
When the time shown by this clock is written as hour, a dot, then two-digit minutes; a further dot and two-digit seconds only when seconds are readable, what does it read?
1.02
